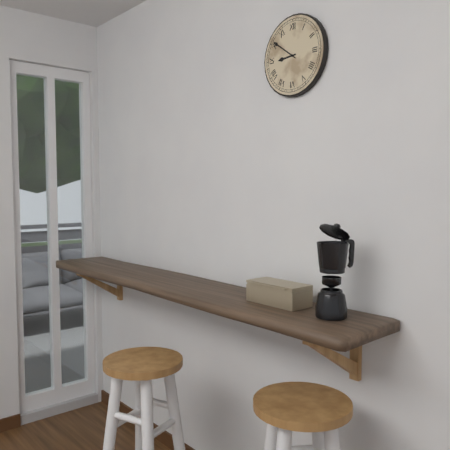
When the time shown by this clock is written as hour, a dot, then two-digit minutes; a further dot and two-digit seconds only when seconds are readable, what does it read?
8.51
